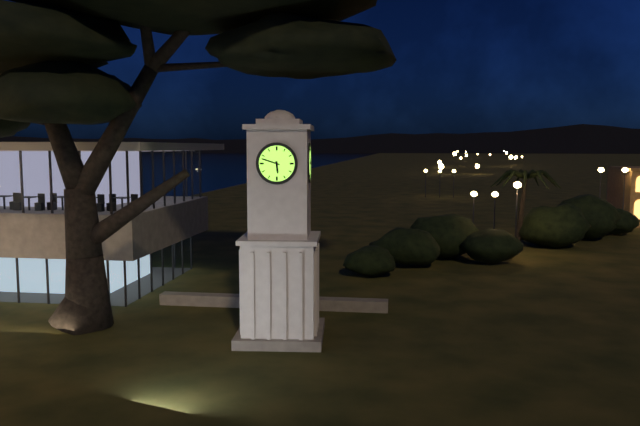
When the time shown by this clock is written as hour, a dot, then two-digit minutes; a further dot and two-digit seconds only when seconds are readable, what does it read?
5.48
